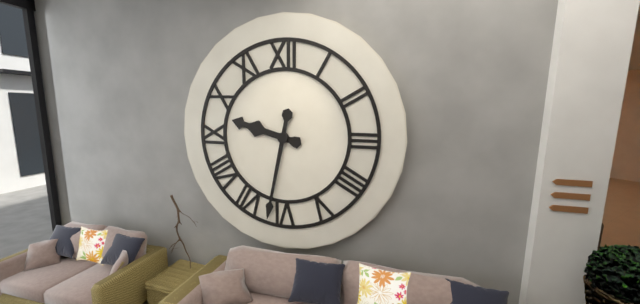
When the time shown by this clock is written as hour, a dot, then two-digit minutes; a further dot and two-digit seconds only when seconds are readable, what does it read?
9.32
